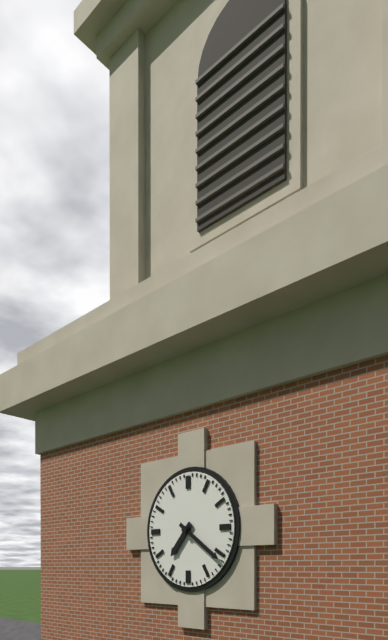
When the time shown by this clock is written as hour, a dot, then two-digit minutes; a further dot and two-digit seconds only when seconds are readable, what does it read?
7.21
